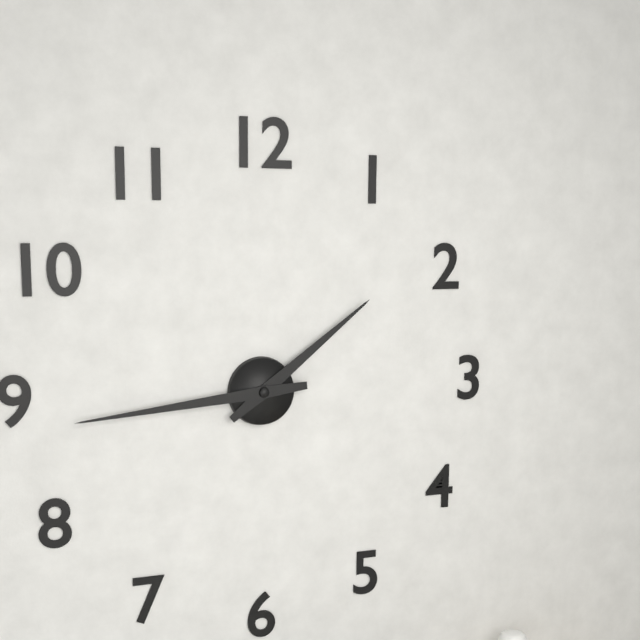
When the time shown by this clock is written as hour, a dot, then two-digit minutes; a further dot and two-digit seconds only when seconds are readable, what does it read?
1.44
